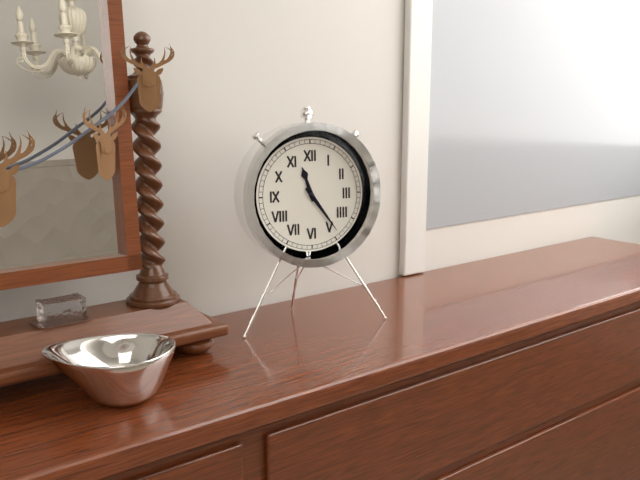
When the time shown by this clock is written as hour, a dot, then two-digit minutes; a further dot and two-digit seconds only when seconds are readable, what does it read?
11.24
